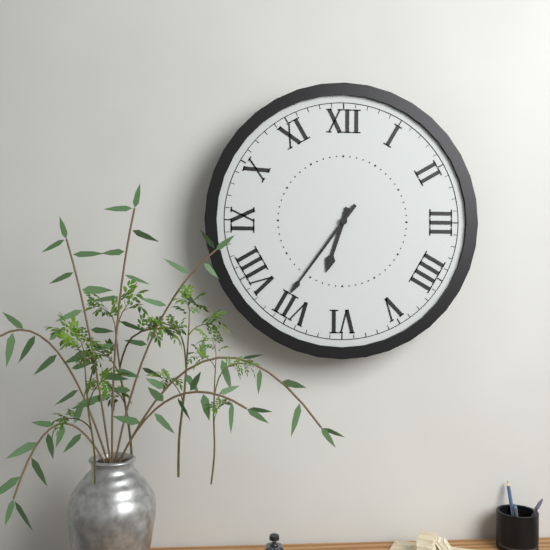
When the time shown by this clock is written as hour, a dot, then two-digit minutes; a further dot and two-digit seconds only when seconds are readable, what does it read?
6.36
